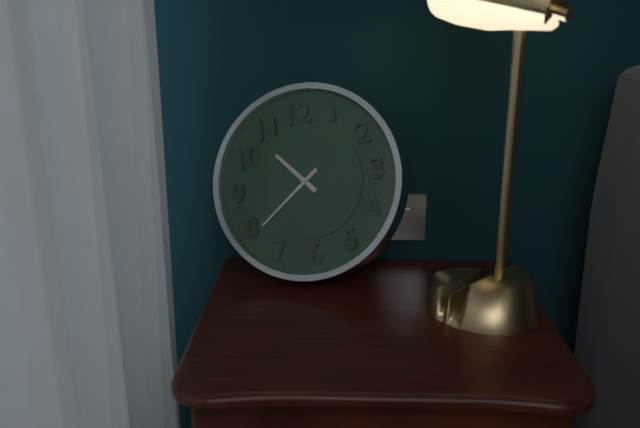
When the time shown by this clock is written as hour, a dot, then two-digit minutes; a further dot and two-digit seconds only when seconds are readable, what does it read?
10.39
